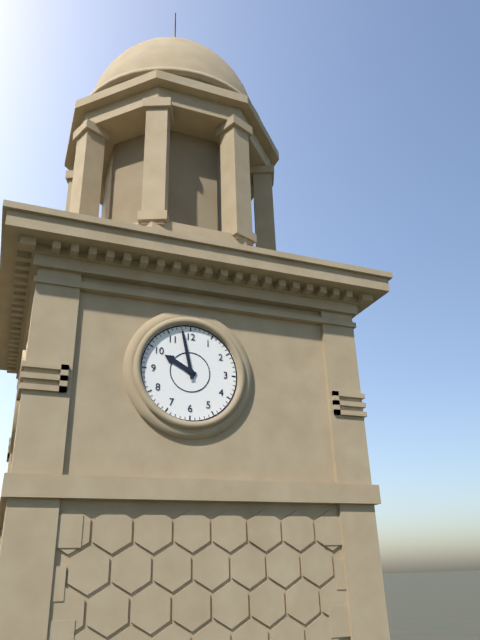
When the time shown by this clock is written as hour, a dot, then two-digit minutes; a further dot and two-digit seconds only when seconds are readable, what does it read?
9.58
